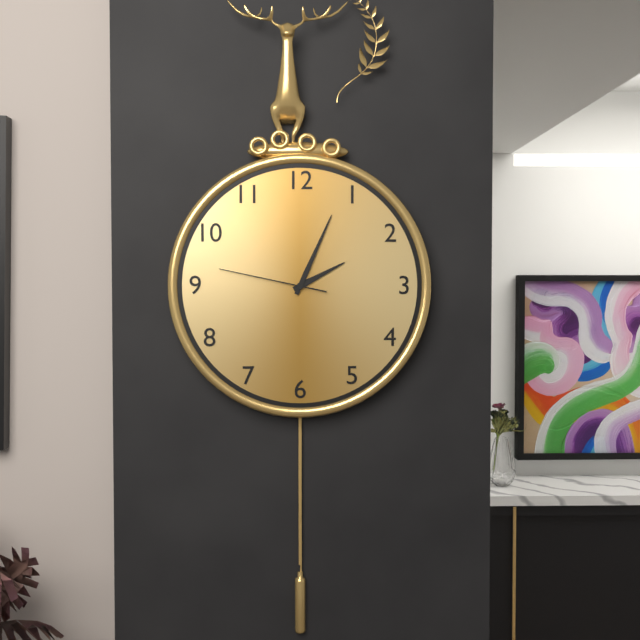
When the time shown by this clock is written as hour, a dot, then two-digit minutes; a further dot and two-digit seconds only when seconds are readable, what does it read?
2.04.47
